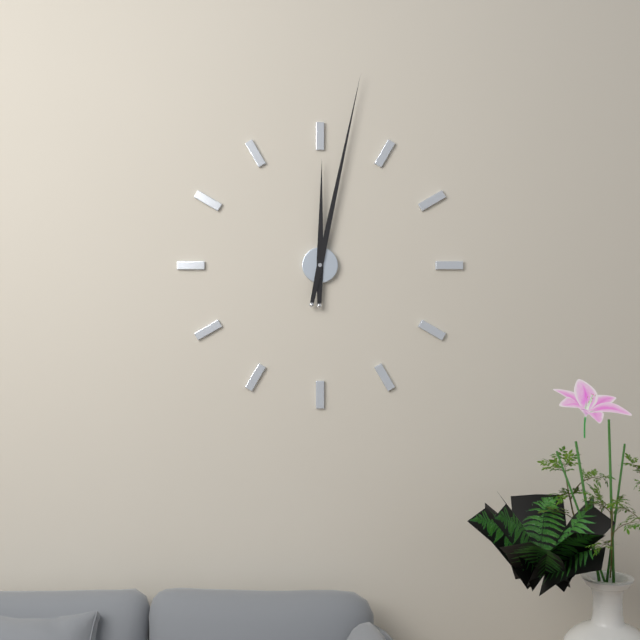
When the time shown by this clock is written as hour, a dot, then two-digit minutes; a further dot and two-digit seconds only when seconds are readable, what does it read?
12.02
